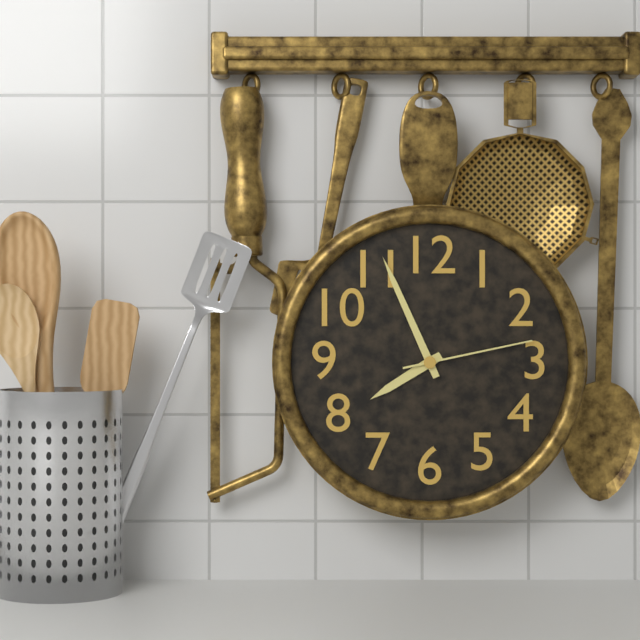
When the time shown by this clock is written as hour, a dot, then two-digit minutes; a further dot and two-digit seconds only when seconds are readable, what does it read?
7.56.13
